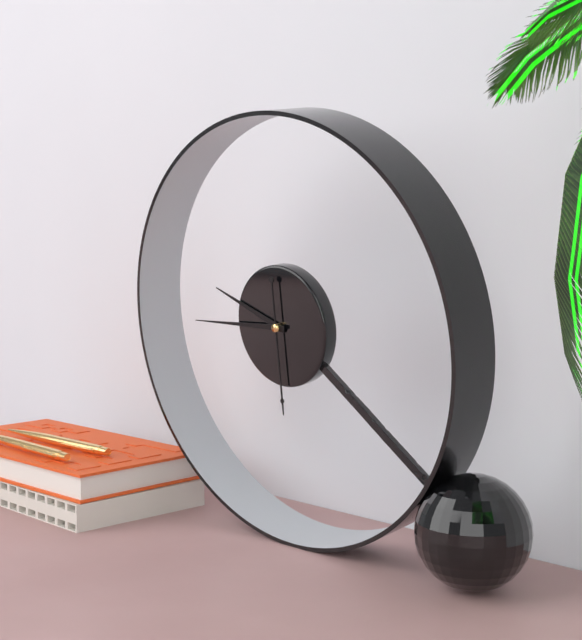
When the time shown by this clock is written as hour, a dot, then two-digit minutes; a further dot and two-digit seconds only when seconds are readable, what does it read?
9.45.30
